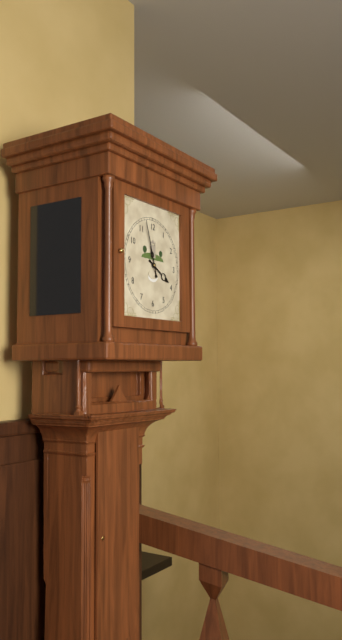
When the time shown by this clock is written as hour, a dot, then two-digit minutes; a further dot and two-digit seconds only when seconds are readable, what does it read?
3.57
